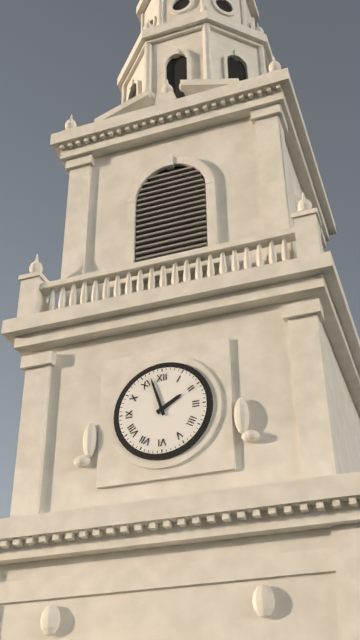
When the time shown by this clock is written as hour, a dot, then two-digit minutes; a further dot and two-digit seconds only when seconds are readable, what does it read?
1.57
